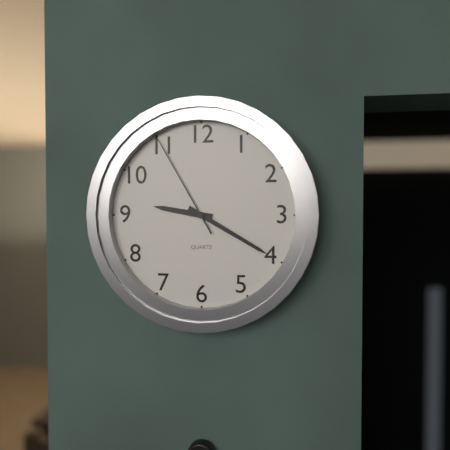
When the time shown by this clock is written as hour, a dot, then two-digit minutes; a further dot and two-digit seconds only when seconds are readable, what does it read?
9.20.55
